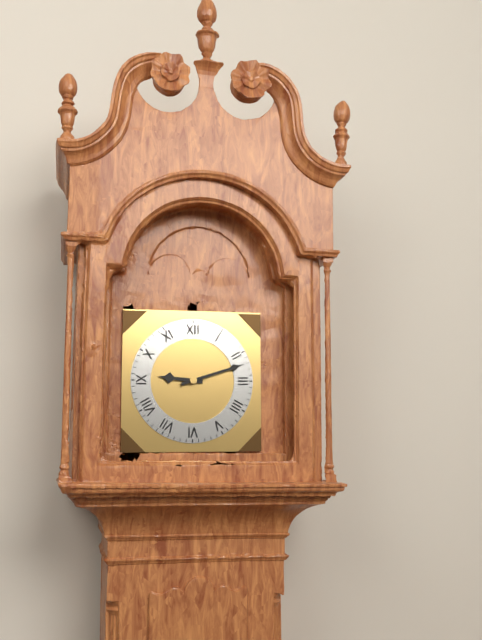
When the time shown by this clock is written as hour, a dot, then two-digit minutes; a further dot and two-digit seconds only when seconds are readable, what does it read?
9.12
